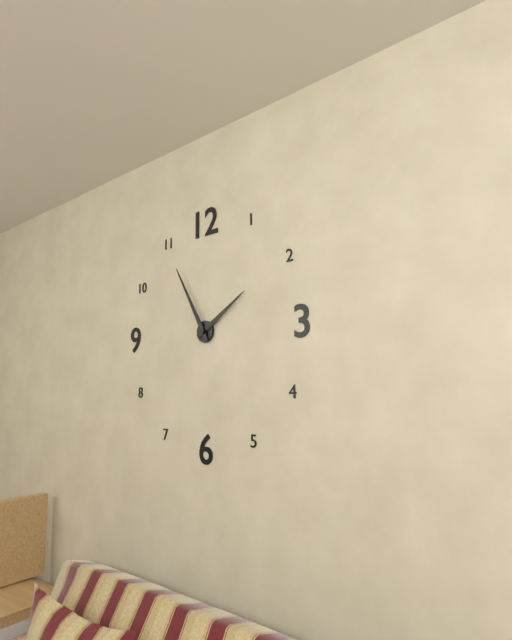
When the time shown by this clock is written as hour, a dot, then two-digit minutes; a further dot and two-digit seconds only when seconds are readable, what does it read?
1.55
